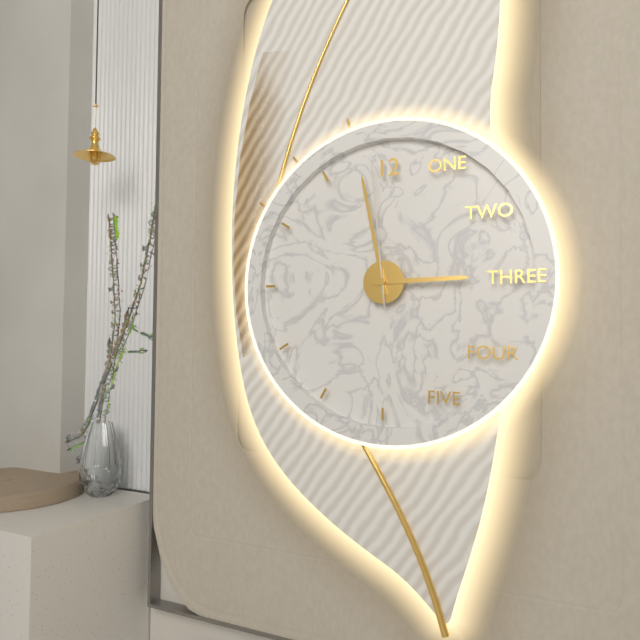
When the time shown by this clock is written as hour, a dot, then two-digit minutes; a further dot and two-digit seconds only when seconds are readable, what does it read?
2.58.59
